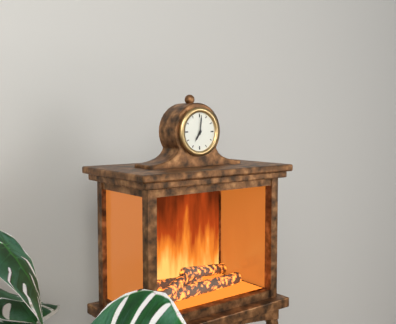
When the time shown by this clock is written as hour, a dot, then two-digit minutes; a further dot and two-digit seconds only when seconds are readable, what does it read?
7.01
